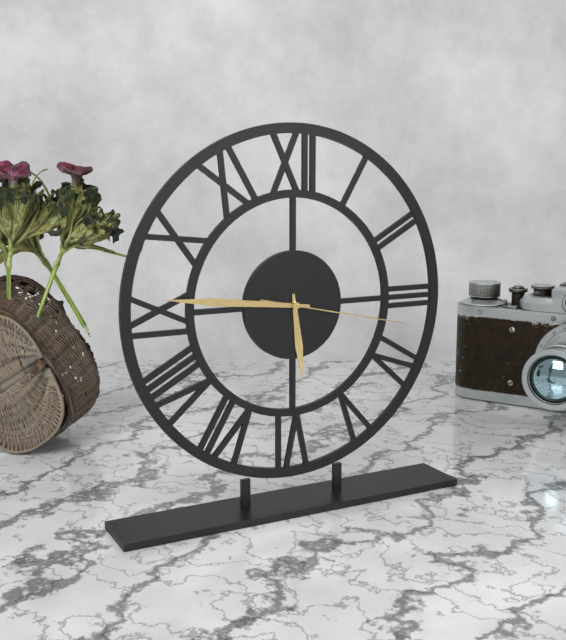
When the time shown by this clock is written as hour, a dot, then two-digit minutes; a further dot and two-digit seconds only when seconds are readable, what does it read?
5.46.17
